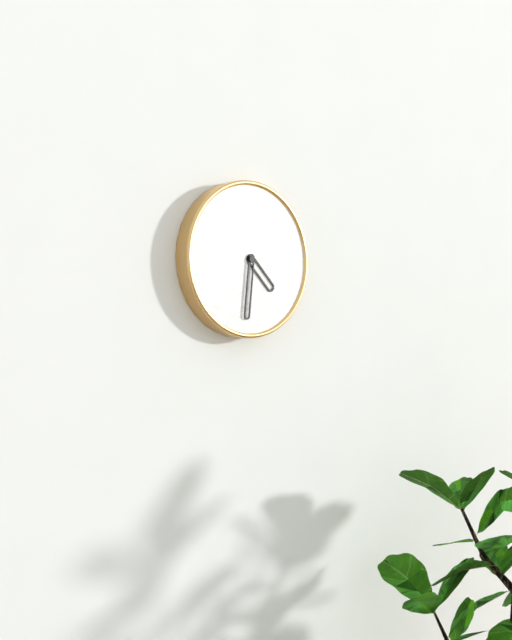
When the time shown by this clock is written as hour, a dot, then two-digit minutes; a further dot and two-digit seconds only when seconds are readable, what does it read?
4.31
